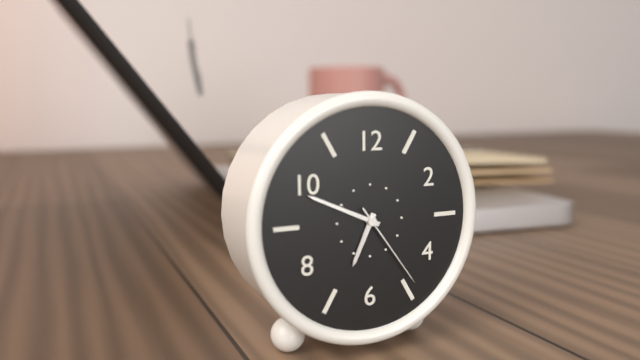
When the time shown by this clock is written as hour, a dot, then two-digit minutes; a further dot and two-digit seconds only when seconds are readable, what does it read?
6.49.24
